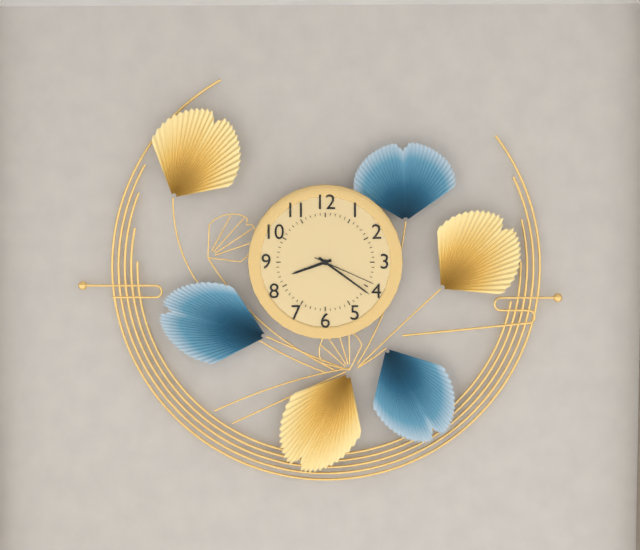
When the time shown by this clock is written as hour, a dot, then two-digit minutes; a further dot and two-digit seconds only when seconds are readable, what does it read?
8.21.19
